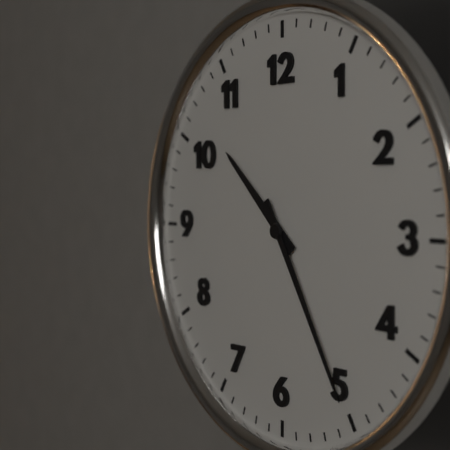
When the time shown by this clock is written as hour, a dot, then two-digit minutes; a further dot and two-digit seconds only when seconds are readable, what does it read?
10.25
